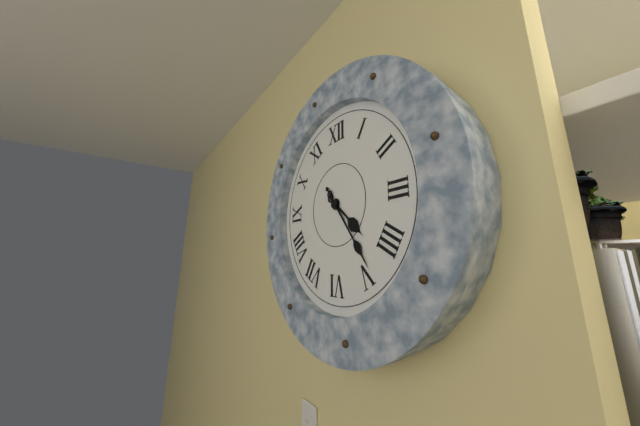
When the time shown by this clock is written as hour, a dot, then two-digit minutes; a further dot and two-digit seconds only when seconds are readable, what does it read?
4.24
